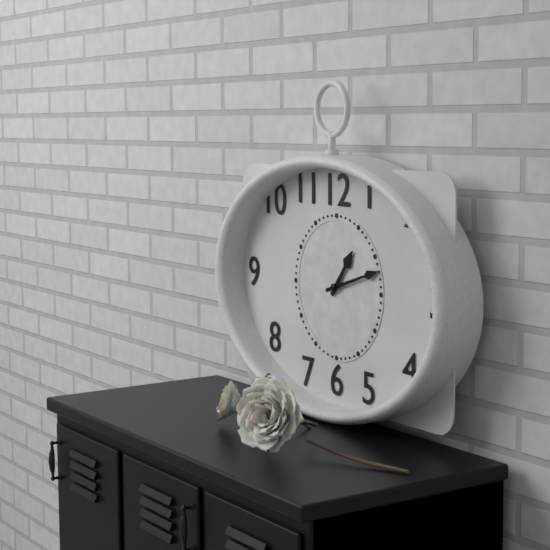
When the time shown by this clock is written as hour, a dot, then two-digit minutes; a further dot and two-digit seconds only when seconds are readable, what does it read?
1.12
